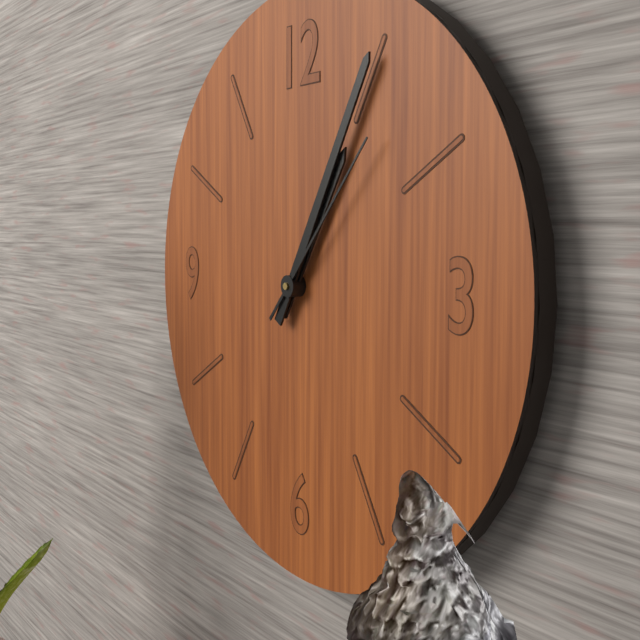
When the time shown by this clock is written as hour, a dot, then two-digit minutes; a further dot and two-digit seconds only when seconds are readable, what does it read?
1.05.07
